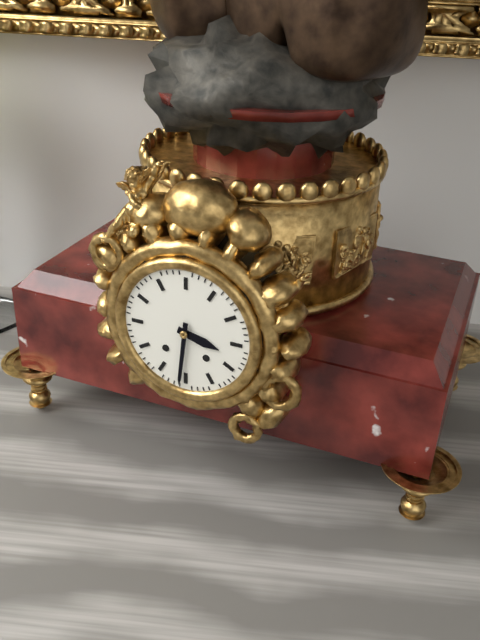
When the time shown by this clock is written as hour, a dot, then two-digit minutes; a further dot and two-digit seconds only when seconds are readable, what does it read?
3.31
